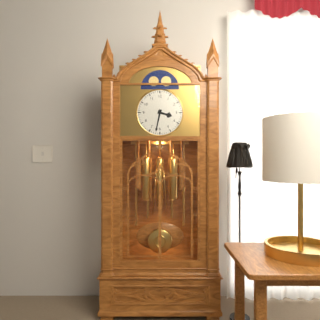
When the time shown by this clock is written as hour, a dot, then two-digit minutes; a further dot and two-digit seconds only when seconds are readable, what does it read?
3.32
